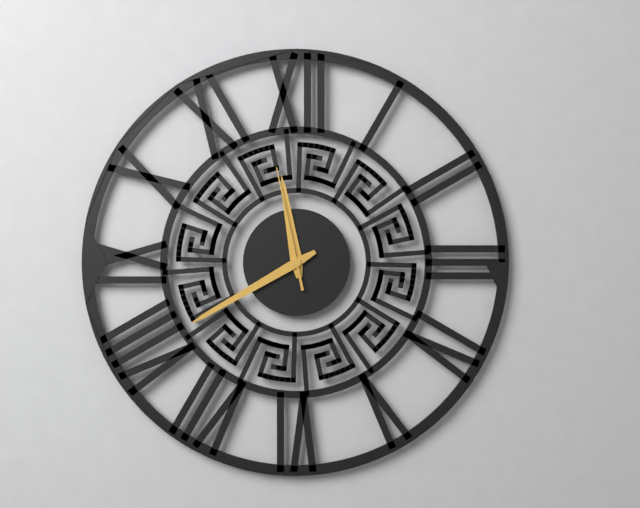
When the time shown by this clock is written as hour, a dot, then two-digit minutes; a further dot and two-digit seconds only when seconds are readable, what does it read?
11.40.58
